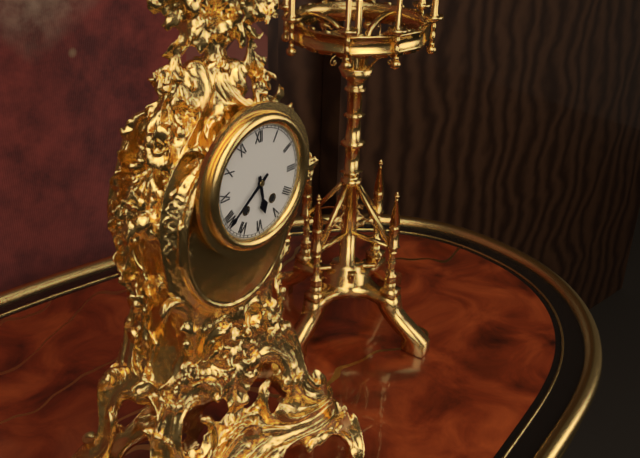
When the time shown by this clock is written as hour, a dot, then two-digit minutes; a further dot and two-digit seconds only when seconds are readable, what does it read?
5.39
